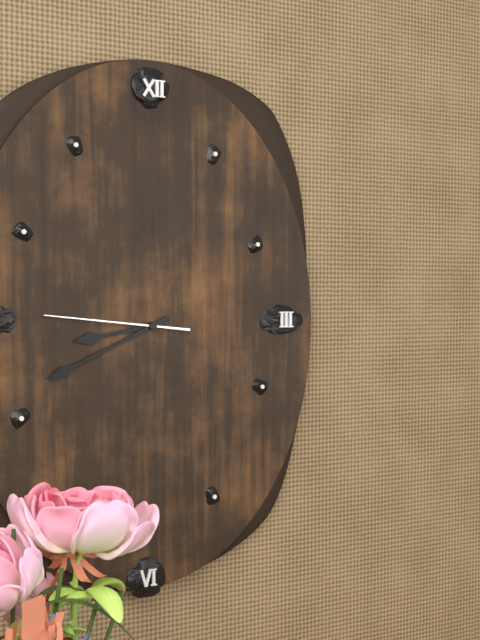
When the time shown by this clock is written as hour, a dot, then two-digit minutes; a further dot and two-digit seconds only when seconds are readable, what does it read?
8.41.46
